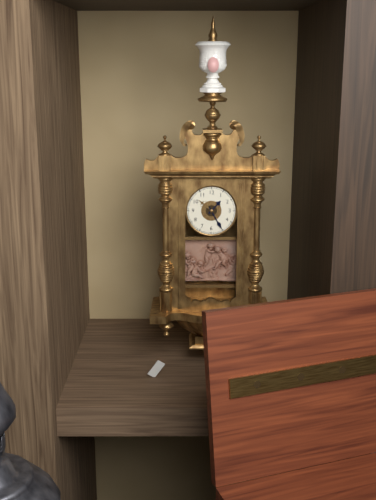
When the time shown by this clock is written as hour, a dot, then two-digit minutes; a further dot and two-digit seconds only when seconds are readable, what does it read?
1.25
